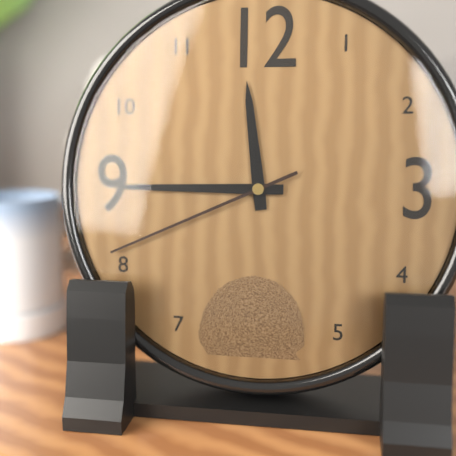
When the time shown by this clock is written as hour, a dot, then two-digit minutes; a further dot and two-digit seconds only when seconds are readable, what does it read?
11.45.41
